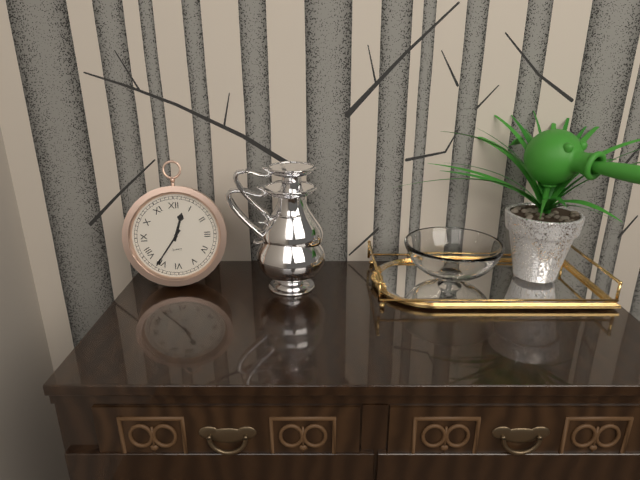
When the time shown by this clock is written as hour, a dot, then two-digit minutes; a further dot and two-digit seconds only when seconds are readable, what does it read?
12.36
